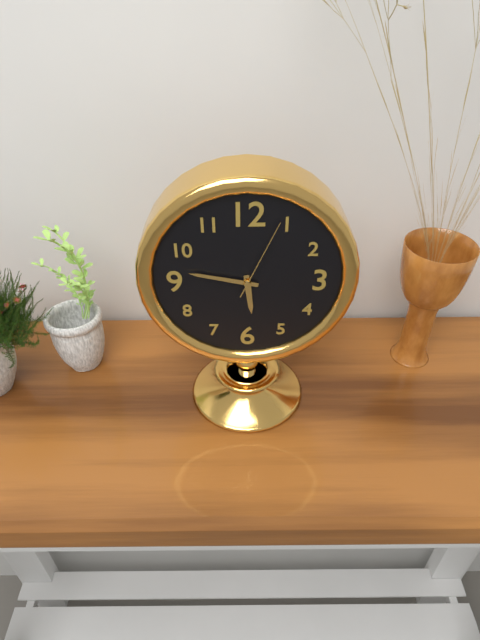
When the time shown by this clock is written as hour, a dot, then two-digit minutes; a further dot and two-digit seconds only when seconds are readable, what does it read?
5.47.04
